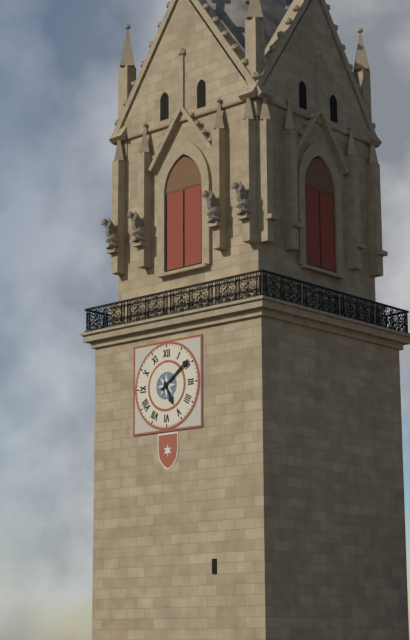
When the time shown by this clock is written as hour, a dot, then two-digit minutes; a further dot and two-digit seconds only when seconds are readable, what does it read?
5.09
